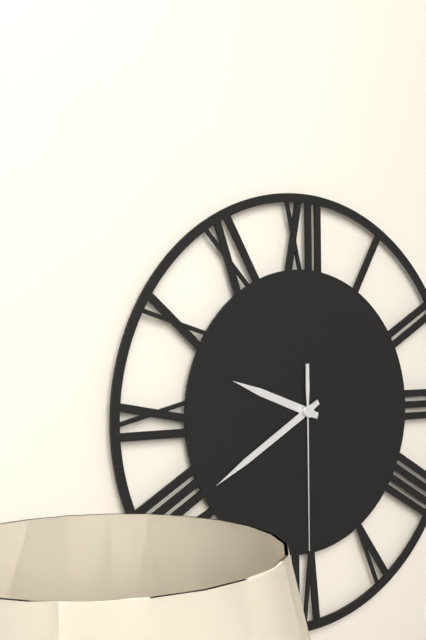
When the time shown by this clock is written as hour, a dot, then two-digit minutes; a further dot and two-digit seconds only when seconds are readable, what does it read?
9.40.30
